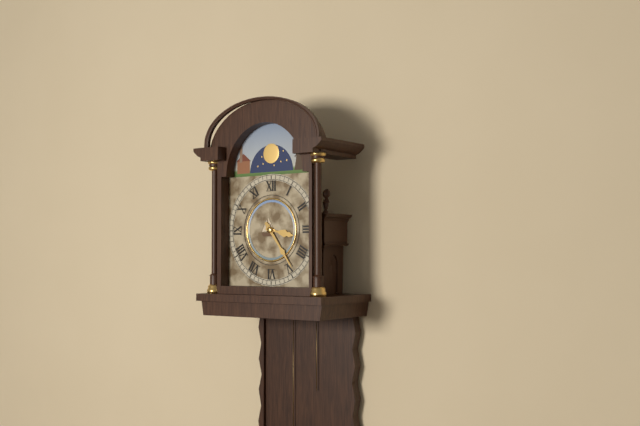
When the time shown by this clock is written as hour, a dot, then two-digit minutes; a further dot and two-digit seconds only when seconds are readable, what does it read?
3.24
